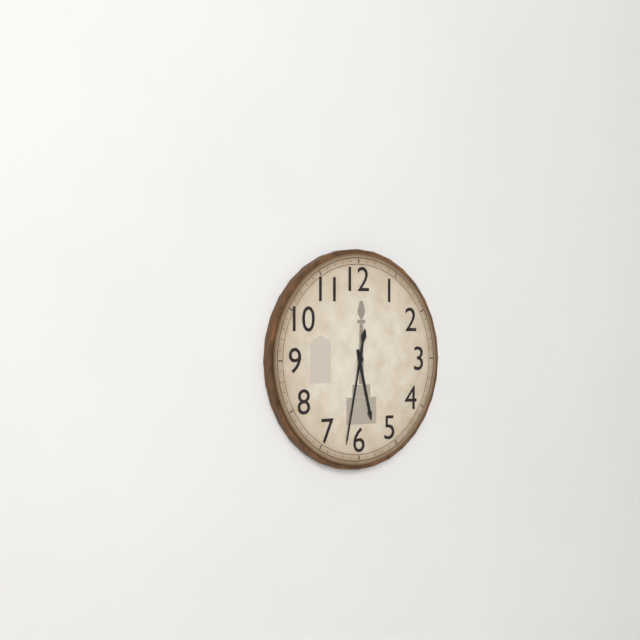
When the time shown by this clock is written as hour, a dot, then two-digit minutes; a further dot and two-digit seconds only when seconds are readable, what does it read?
5.32
